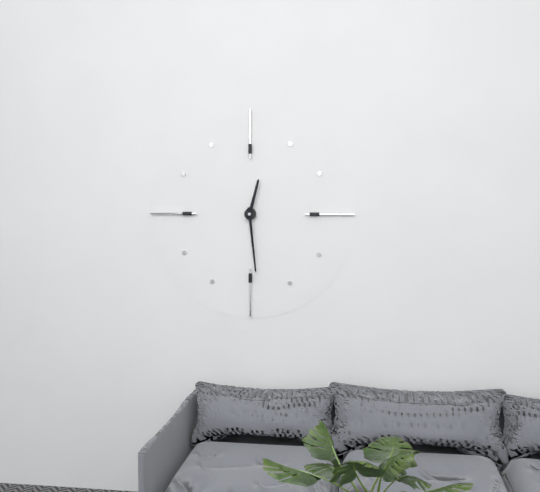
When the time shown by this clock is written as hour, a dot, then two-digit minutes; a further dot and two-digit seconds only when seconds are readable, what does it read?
12.29
